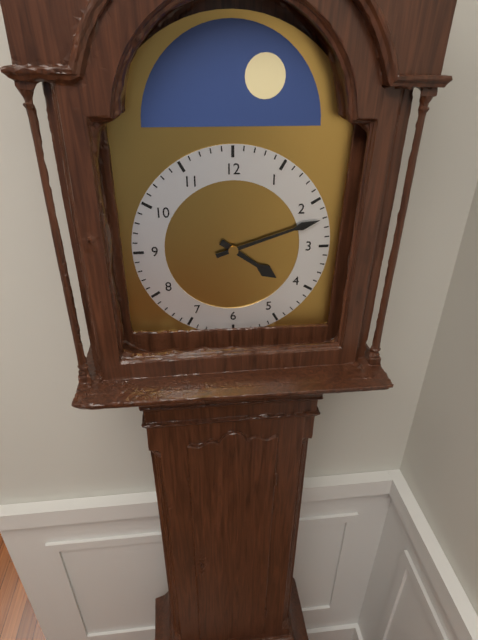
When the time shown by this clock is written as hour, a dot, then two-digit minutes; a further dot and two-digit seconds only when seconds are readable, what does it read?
4.12
